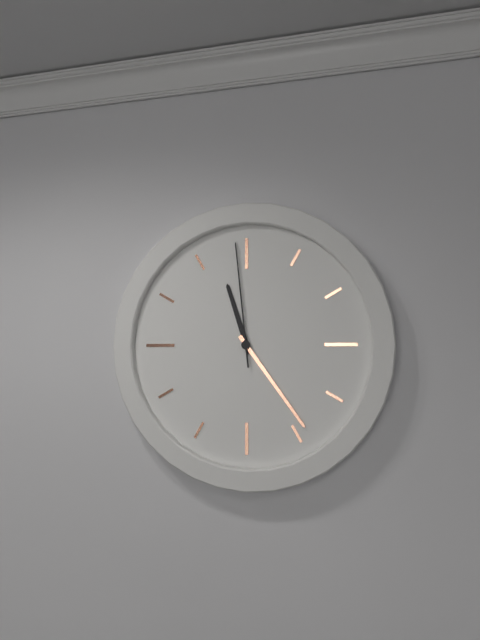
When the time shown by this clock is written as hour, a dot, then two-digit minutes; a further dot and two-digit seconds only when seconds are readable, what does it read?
11.24.59
